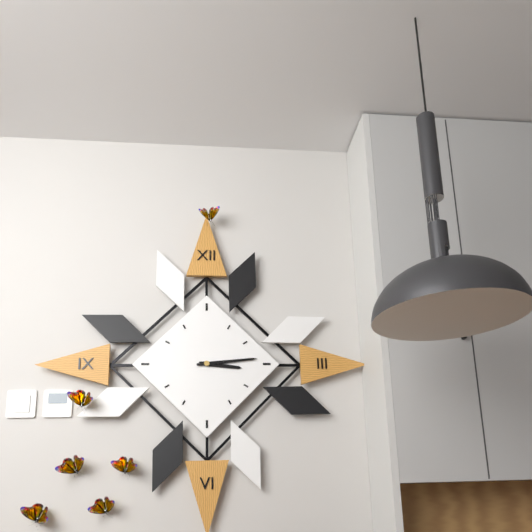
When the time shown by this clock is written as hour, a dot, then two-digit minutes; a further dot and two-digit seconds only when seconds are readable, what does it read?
3.14
